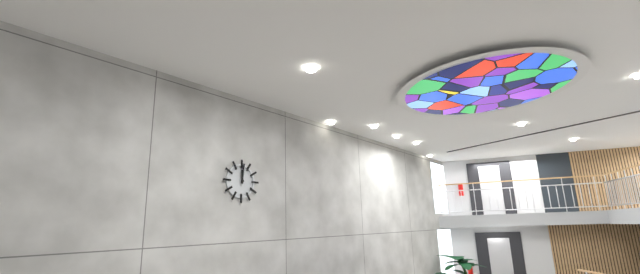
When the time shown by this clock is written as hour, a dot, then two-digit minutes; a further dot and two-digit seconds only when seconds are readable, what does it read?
12.01
